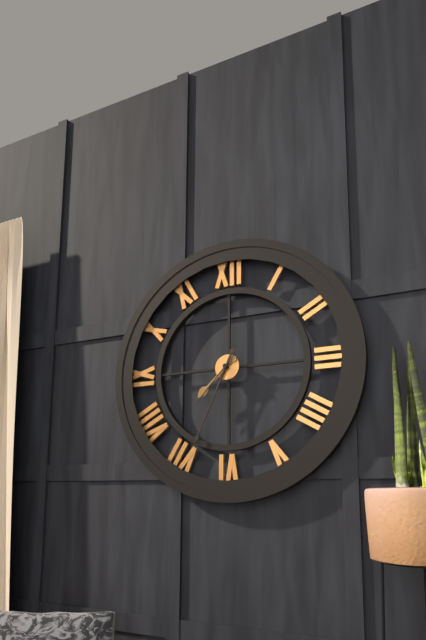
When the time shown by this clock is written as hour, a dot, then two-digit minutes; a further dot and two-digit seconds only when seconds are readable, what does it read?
7.34.37
